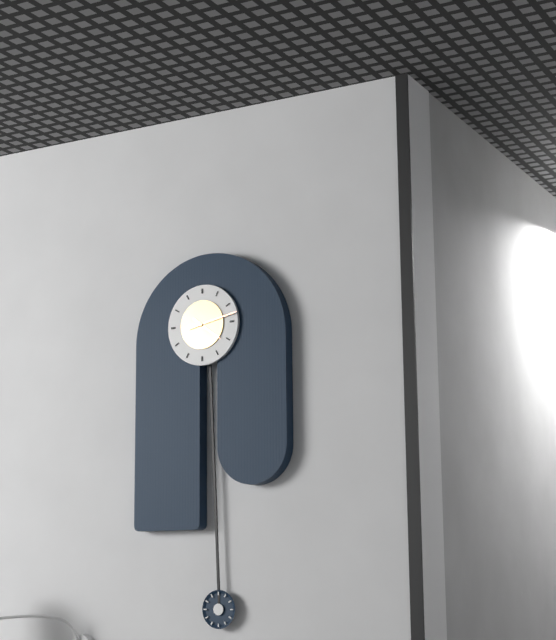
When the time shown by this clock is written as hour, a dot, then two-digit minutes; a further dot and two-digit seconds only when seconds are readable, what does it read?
4.13
